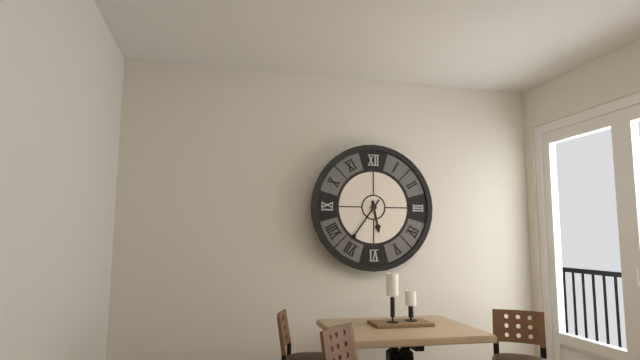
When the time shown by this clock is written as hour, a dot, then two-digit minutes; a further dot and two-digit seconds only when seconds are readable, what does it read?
5.36
